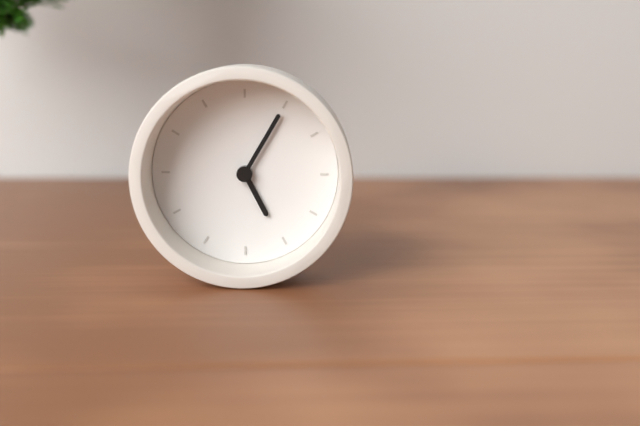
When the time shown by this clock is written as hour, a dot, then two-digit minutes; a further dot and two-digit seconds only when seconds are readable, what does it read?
5.05
